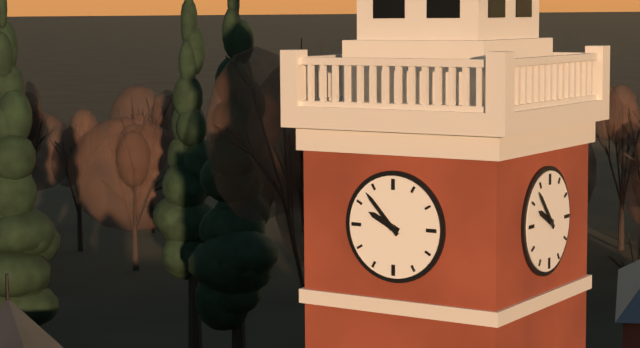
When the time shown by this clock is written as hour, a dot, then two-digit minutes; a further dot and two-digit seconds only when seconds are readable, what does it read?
9.53
